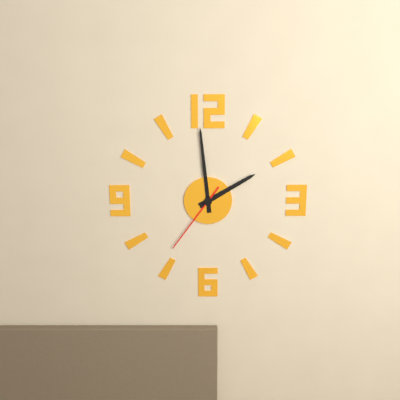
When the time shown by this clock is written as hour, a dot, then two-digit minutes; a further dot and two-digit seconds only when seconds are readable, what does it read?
1.59.36
